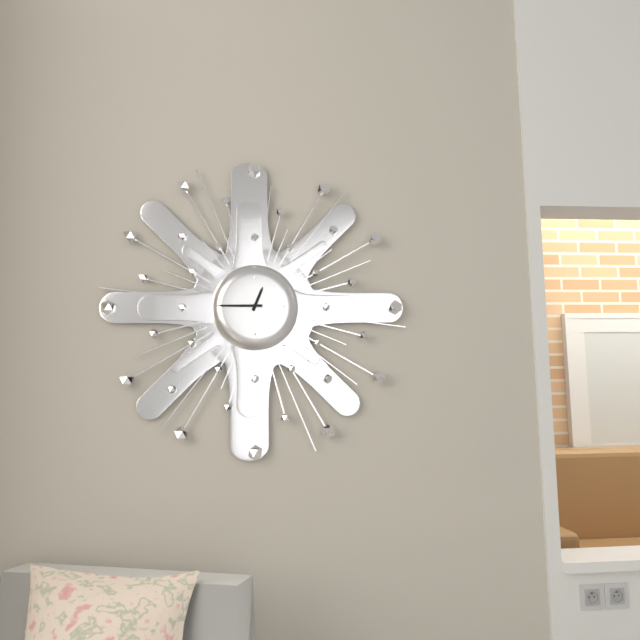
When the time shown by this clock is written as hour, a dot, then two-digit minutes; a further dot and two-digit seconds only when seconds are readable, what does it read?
12.45
